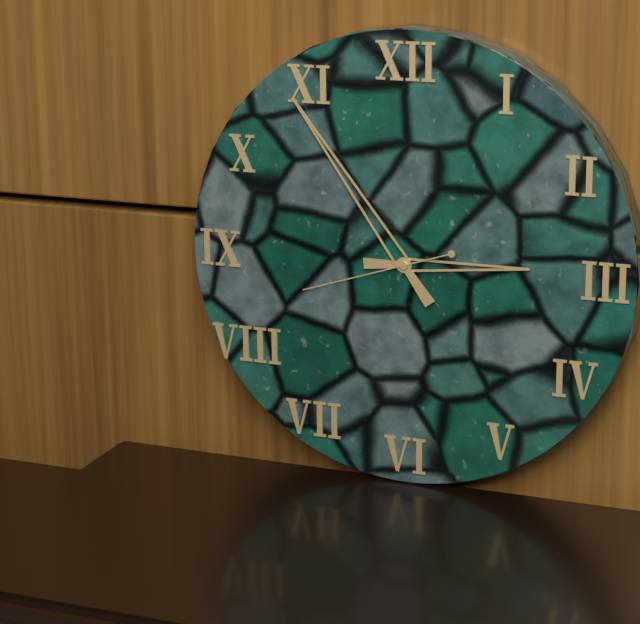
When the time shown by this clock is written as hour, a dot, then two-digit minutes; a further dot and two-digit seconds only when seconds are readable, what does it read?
2.54.42
